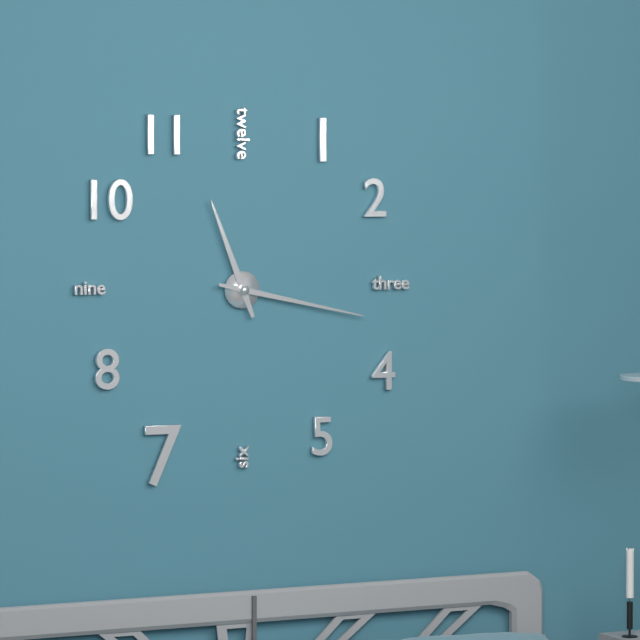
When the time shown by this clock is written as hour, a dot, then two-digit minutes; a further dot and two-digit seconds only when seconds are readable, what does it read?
11.17
